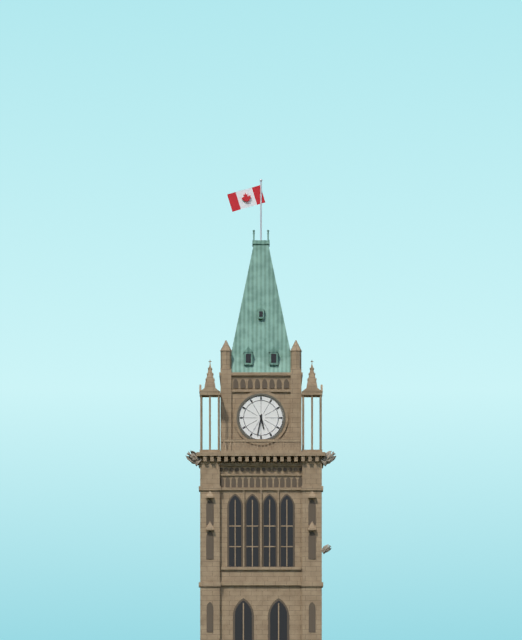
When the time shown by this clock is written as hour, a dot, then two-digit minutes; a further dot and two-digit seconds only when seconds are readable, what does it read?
5.32
